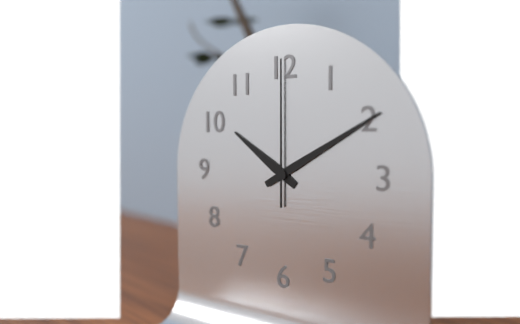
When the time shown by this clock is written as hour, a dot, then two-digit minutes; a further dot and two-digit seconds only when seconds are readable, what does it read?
10.10.00
